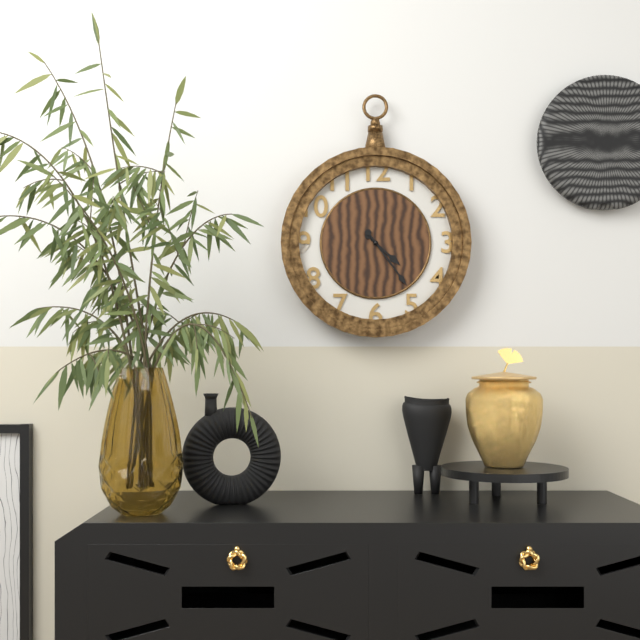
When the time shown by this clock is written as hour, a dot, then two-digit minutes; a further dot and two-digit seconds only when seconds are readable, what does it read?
4.24
